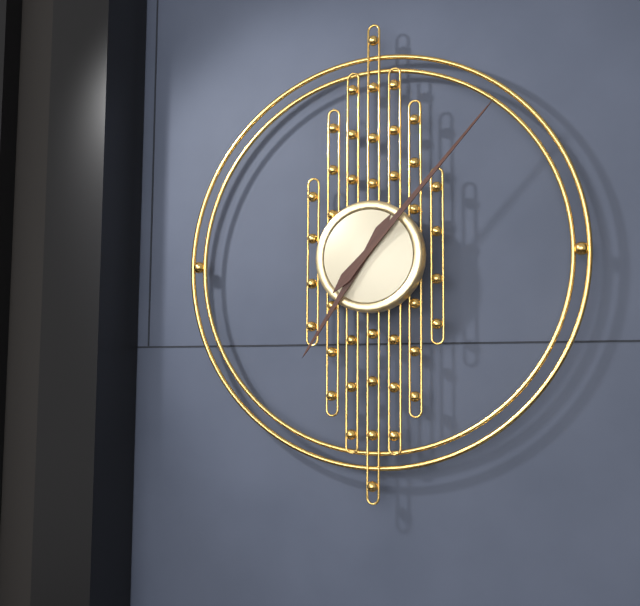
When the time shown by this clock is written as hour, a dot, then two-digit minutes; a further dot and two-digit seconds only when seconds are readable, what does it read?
7.07
